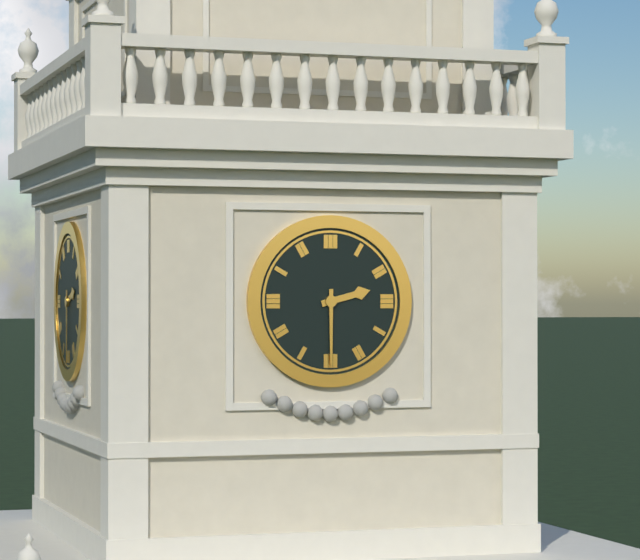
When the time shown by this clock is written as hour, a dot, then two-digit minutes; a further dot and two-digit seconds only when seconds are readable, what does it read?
2.30
